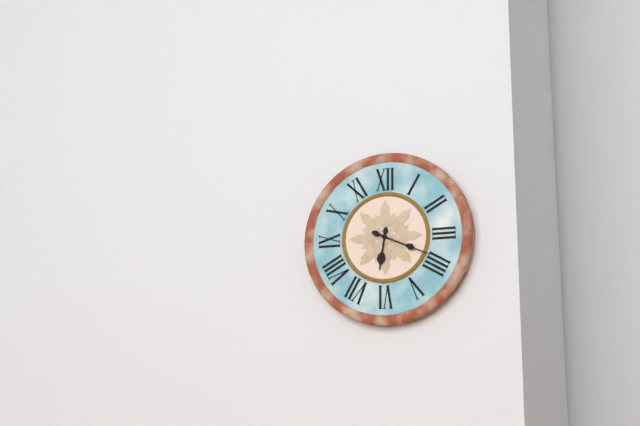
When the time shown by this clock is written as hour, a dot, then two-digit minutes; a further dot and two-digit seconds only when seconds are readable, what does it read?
6.19
